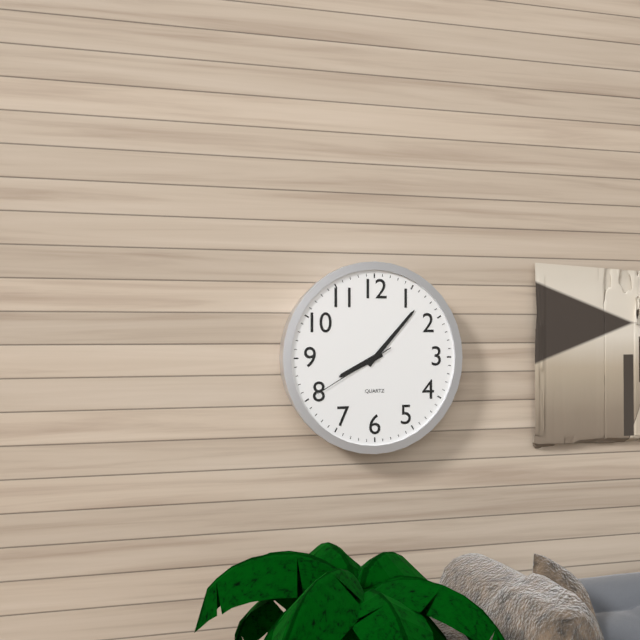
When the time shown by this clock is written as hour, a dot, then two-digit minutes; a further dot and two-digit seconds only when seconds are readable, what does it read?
8.07.40
